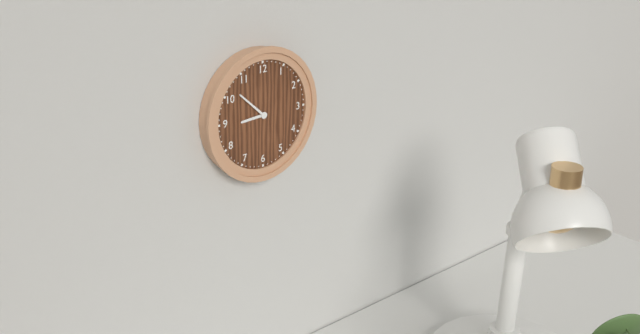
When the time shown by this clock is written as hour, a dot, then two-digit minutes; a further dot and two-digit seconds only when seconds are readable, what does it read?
8.52
